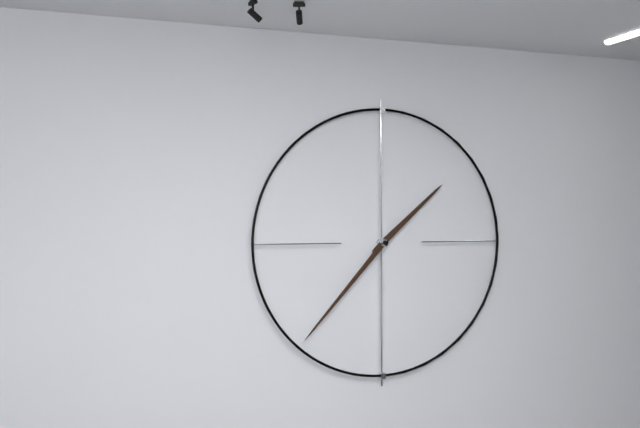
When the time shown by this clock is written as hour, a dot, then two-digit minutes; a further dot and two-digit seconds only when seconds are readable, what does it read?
1.37
